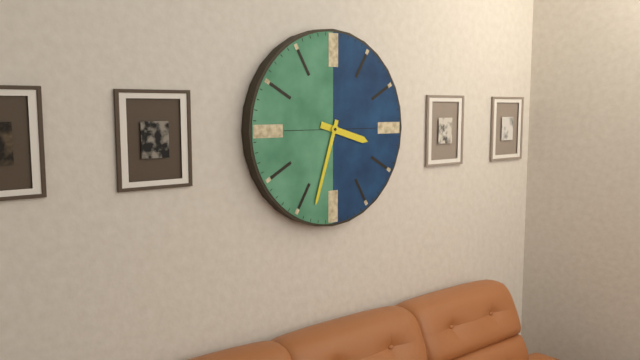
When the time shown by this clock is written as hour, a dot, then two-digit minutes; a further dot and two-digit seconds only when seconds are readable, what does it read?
3.33
